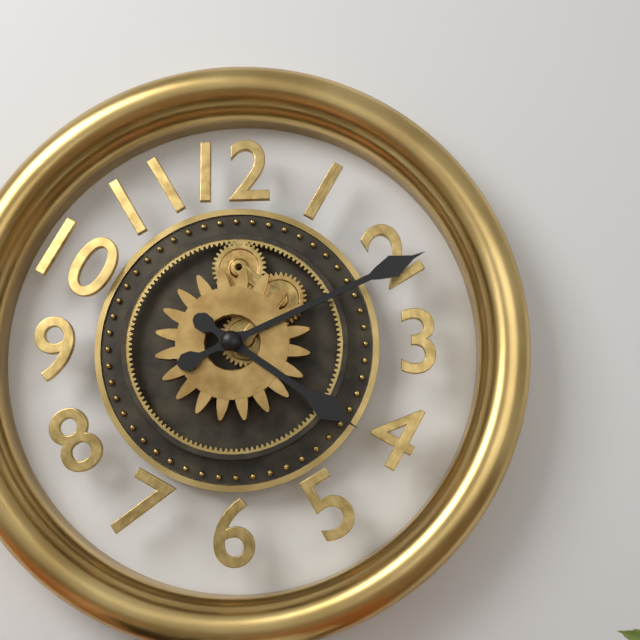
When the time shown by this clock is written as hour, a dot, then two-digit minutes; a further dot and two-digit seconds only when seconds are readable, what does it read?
4.11
